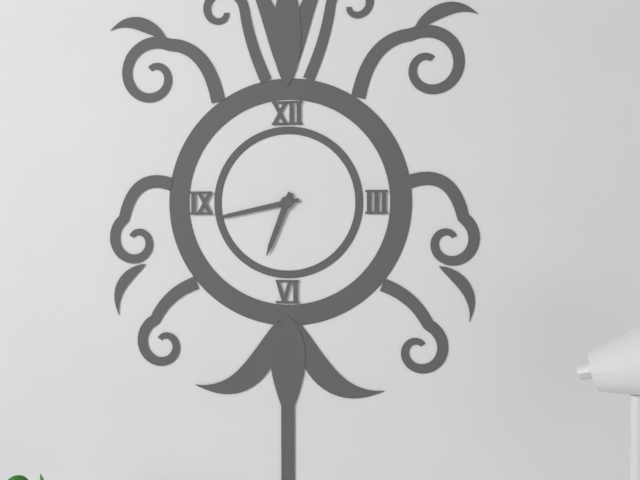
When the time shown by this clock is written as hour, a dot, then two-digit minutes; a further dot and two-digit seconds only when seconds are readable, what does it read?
6.43
